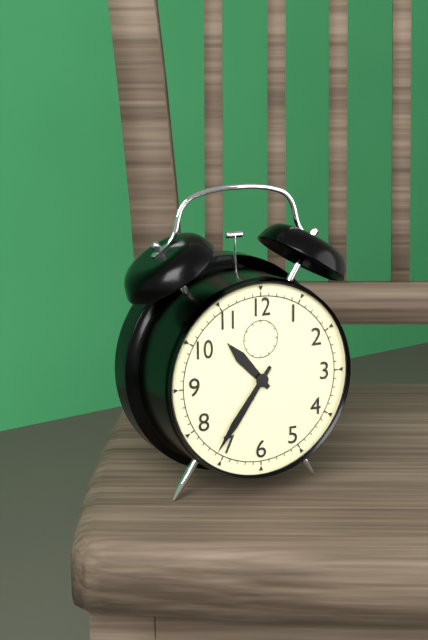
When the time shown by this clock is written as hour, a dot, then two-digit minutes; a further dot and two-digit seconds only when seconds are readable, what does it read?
10.36
